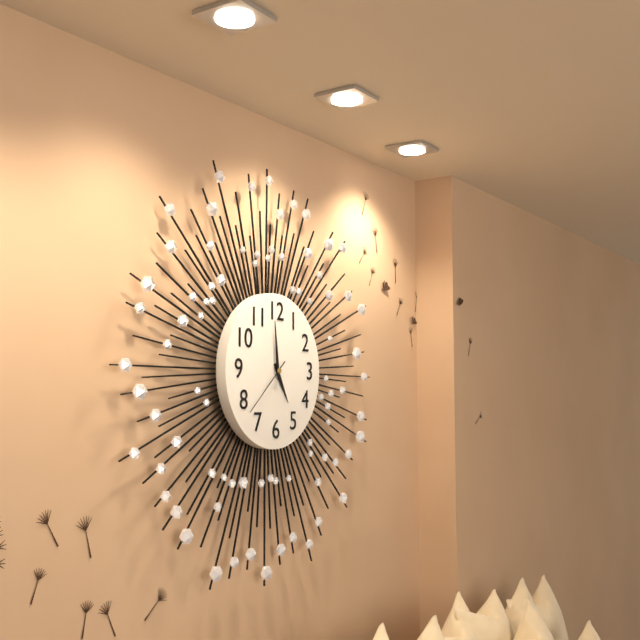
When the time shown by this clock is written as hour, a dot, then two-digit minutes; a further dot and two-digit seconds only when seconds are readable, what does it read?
4.59.38
